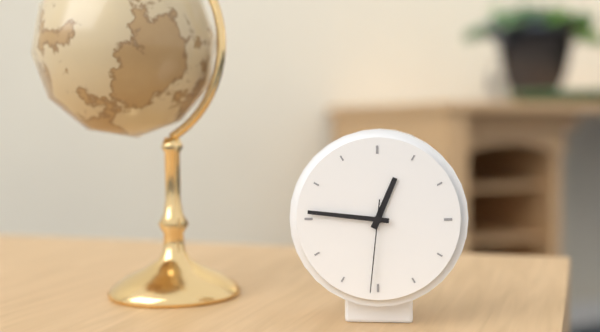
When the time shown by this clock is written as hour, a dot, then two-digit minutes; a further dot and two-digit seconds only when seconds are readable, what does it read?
12.46.31
